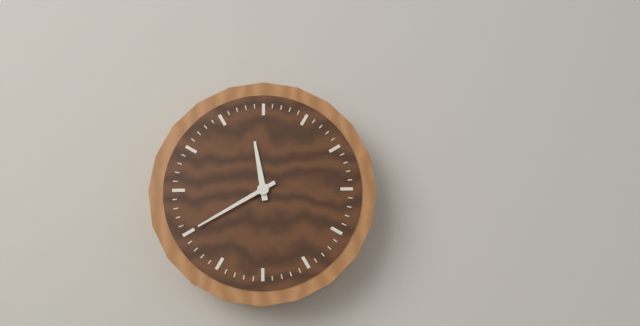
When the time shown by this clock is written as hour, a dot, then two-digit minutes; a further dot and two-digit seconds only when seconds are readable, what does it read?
11.40
